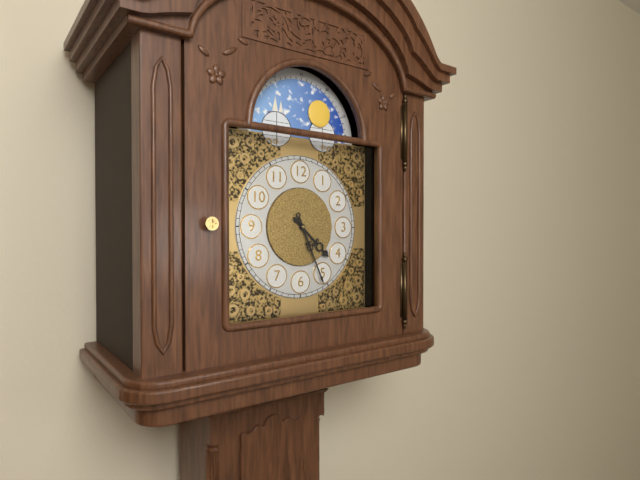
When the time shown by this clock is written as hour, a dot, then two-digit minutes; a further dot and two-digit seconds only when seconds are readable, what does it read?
4.26
